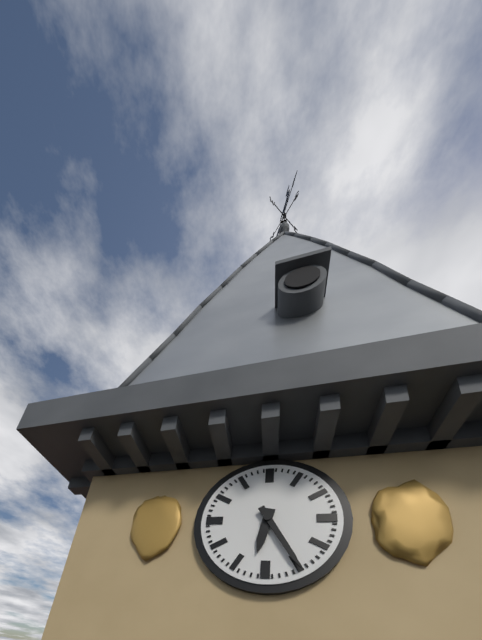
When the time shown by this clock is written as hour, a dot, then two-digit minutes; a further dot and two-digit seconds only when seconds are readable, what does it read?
6.25
